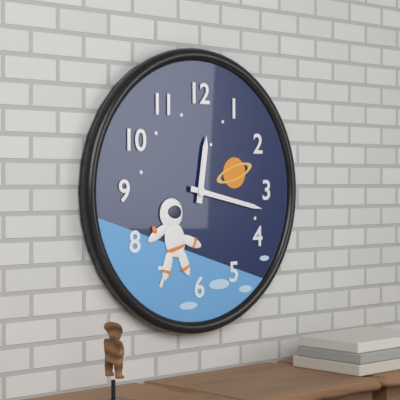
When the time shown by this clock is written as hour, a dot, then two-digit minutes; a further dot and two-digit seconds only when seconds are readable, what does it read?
12.17
